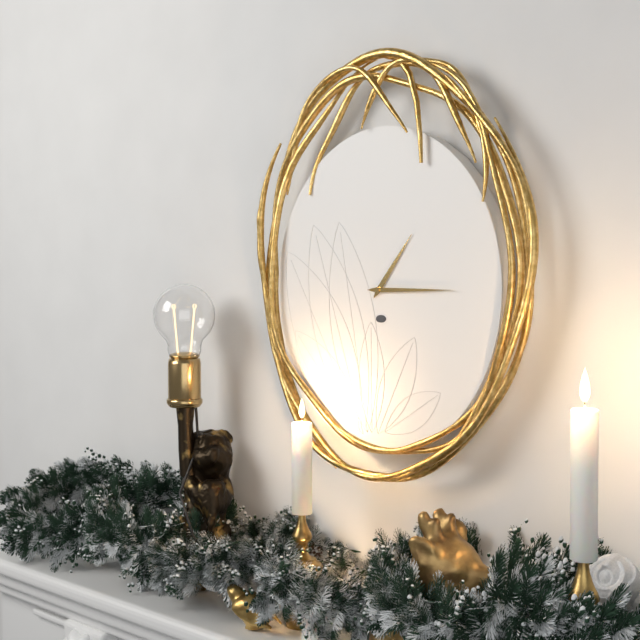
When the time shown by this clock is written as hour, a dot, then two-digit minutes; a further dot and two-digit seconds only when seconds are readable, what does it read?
1.15
